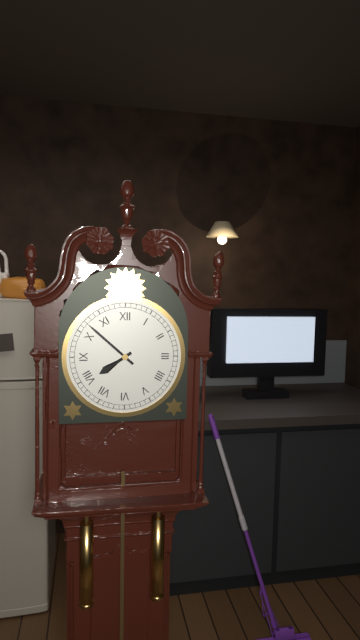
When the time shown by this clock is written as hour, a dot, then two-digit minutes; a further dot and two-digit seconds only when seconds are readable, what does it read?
7.52
